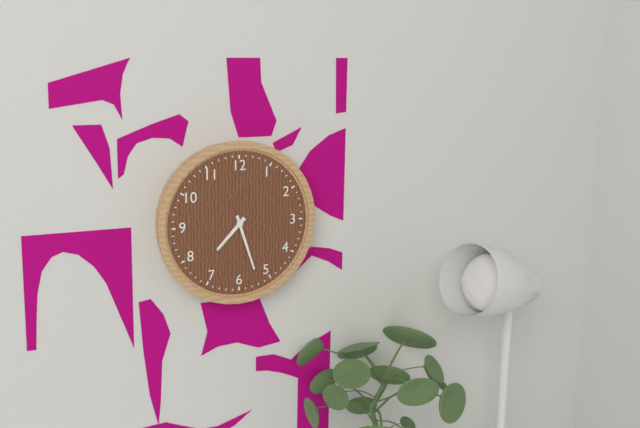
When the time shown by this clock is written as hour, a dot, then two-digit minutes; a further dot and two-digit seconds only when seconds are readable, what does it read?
7.27
